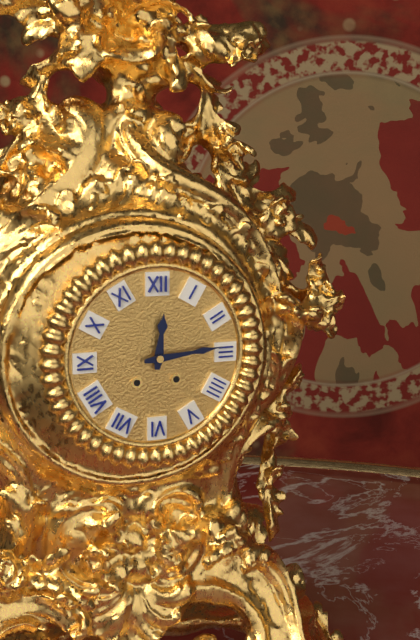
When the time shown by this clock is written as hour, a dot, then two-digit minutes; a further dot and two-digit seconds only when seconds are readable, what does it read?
12.14
